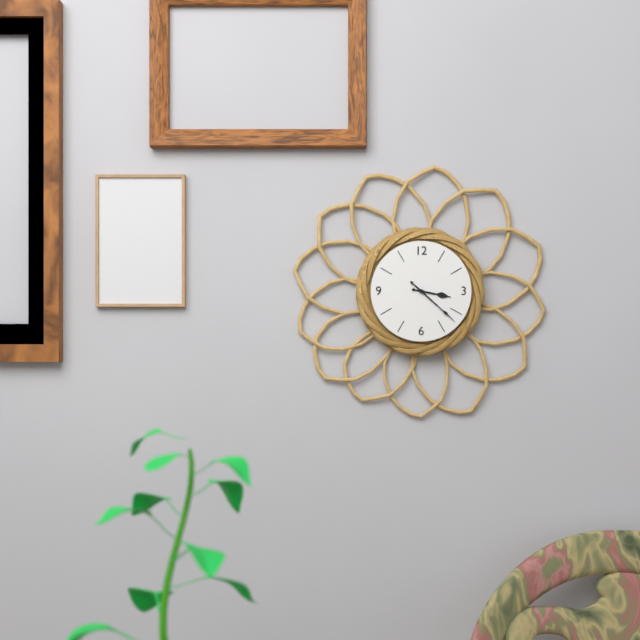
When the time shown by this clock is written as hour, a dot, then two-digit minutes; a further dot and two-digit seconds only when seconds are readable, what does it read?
3.22
